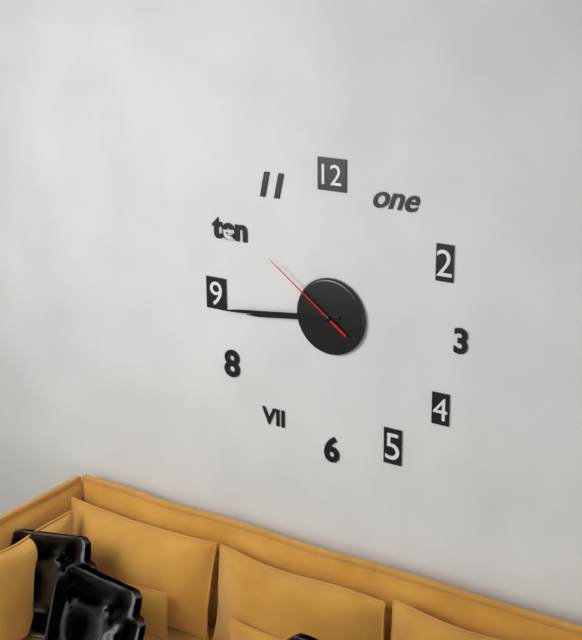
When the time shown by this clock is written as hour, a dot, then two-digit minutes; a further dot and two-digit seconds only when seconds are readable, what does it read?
8.44.51
